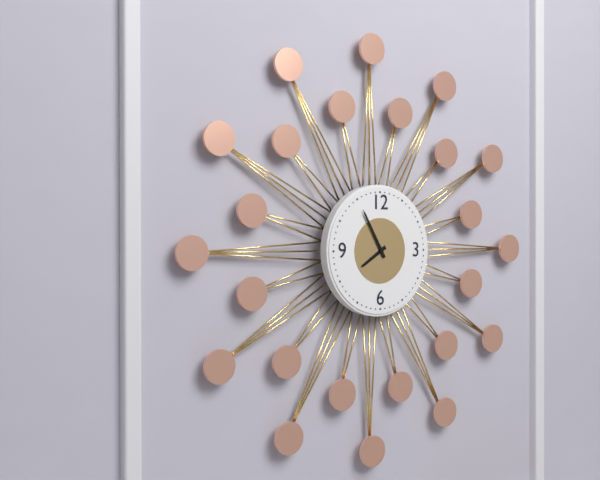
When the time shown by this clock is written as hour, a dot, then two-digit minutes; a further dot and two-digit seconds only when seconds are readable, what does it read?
7.55
